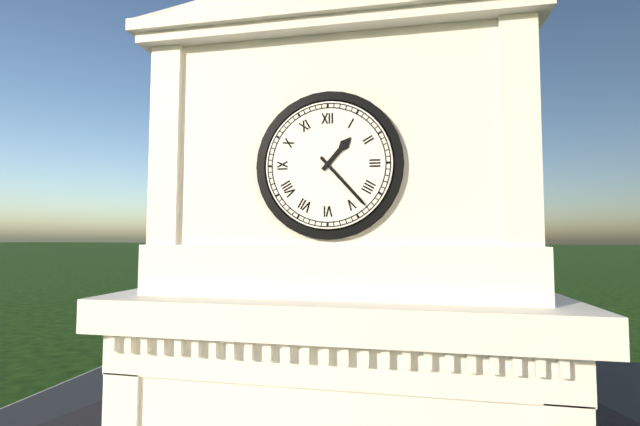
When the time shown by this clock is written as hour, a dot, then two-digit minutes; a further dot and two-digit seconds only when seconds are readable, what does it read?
1.23
